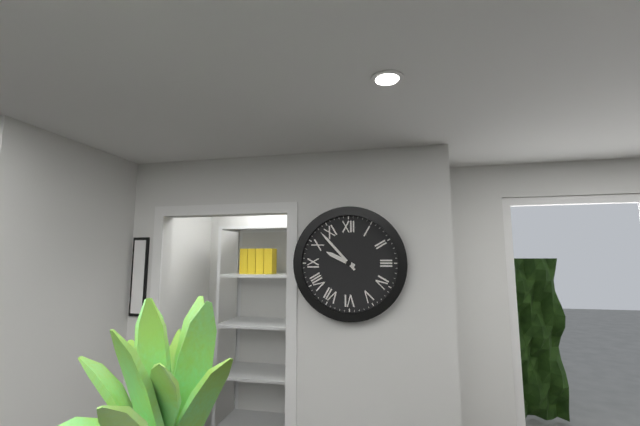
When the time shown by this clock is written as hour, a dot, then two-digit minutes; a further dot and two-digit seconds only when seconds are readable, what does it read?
9.53
